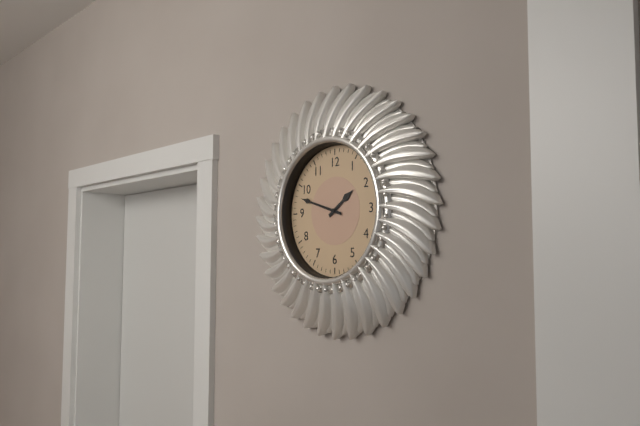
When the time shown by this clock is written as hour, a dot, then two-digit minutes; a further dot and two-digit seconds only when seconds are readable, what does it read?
1.48
